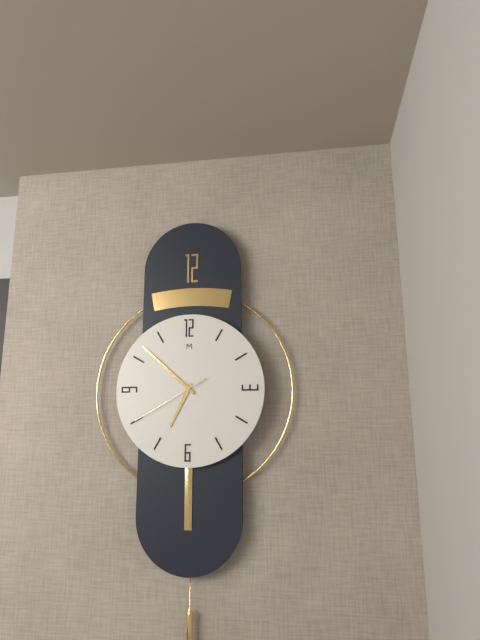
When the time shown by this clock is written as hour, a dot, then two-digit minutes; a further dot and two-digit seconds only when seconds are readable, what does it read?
6.52.40
